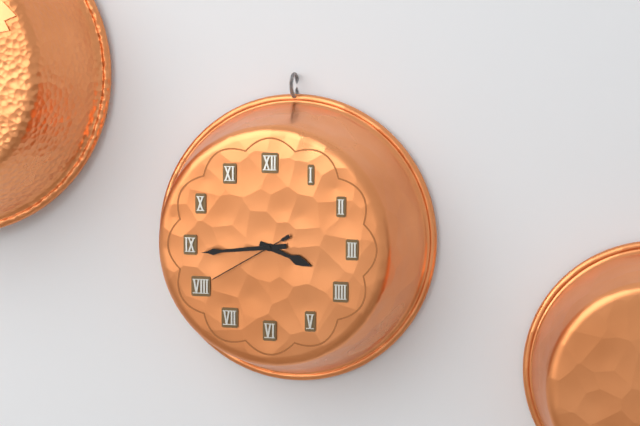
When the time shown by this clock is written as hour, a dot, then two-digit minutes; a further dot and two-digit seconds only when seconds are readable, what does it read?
3.44.40
